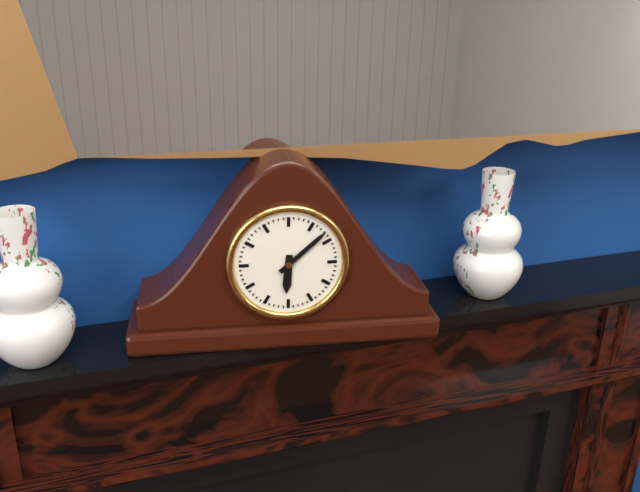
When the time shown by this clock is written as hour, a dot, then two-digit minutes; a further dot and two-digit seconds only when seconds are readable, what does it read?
6.08
